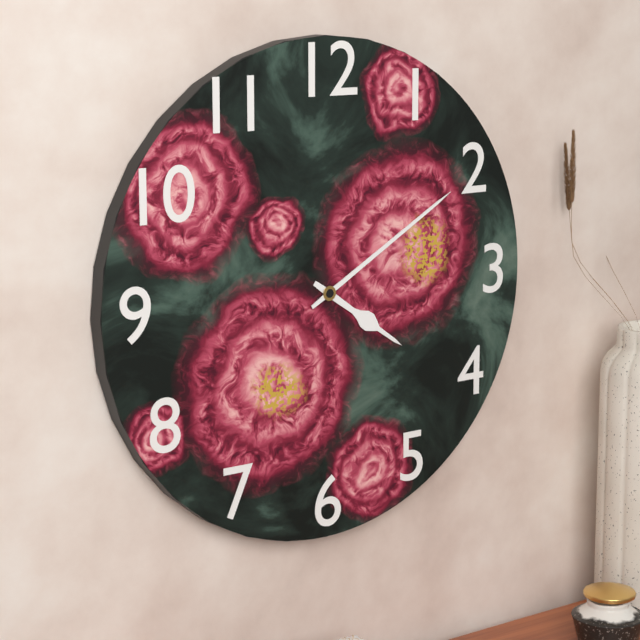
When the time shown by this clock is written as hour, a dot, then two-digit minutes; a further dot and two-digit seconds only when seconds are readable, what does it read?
4.10
